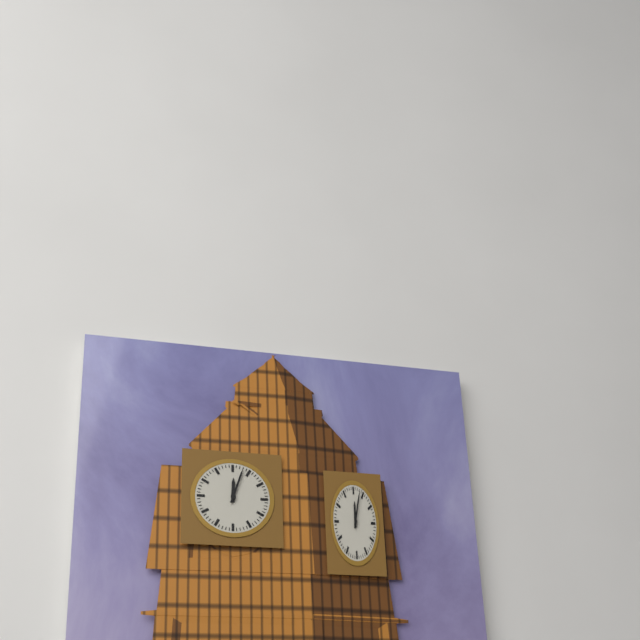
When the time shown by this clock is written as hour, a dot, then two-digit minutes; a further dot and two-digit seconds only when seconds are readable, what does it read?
12.03
